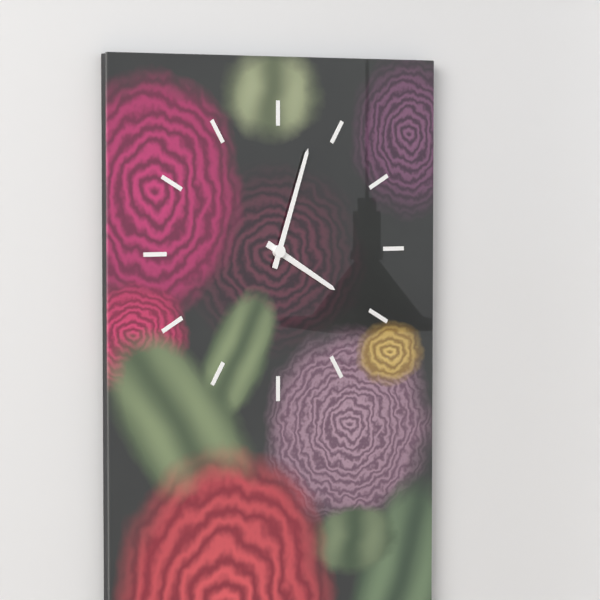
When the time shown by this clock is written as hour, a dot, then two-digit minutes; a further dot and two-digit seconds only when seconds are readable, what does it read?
4.03
